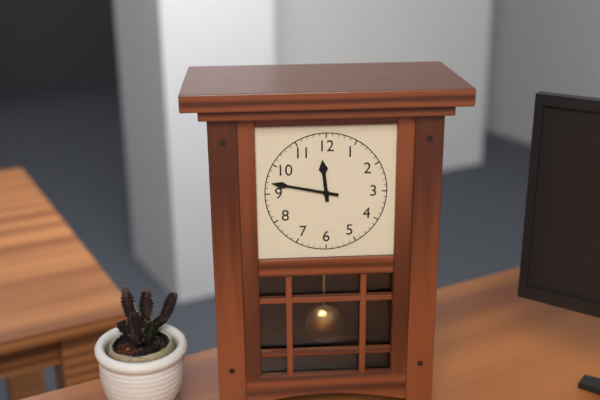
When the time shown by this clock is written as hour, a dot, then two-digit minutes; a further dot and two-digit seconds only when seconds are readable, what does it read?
11.47
